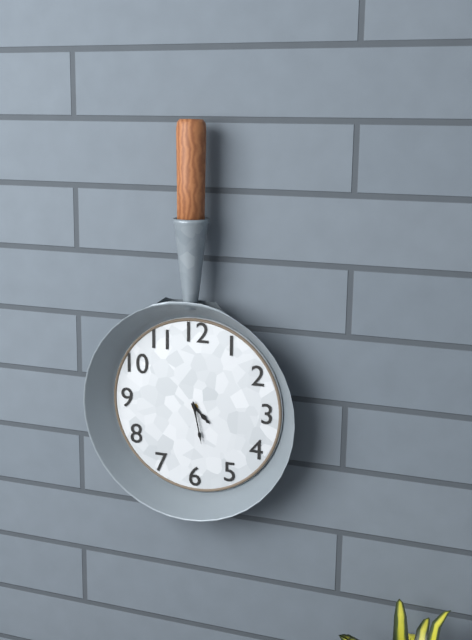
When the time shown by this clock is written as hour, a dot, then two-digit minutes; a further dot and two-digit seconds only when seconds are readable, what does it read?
4.28
